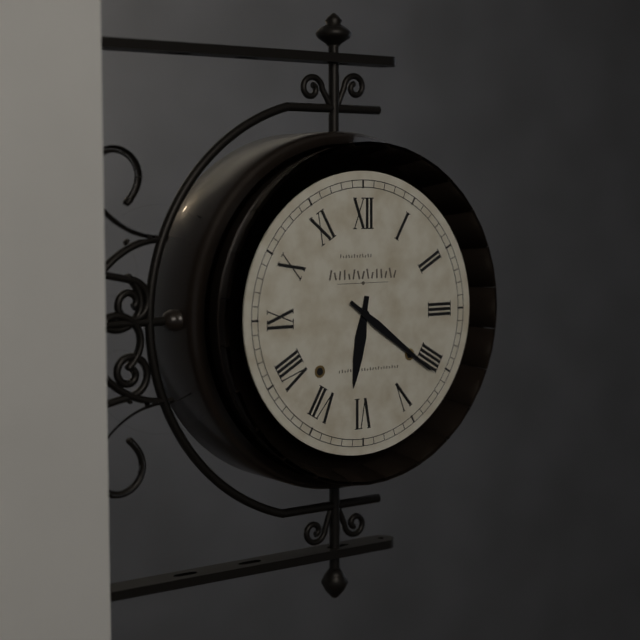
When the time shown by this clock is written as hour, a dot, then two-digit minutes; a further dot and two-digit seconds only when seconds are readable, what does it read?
6.21
